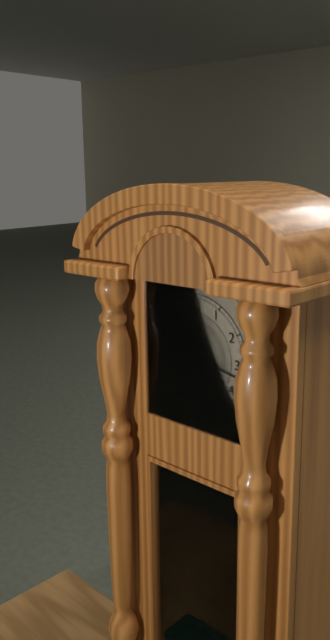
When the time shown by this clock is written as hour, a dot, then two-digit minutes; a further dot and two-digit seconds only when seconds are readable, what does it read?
11.17
